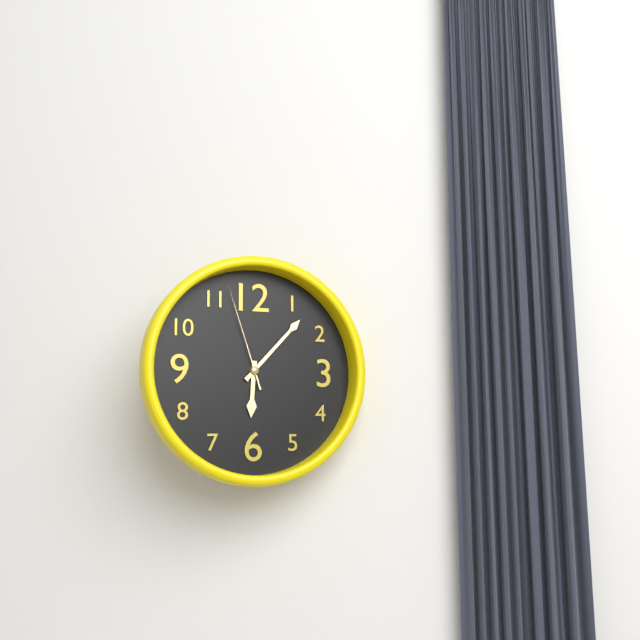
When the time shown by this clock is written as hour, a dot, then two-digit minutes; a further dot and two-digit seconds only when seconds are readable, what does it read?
6.07.57
